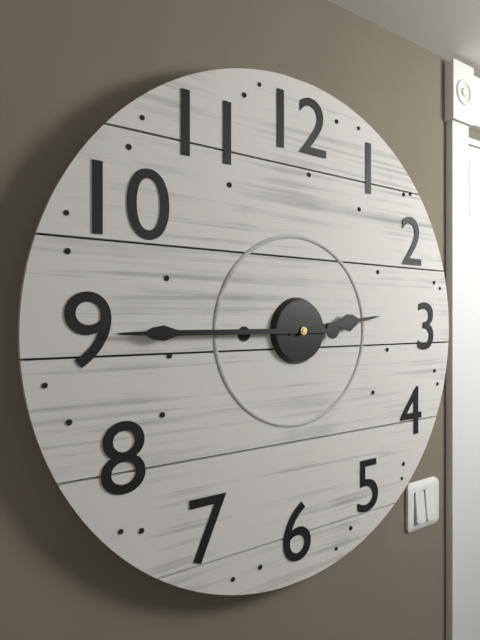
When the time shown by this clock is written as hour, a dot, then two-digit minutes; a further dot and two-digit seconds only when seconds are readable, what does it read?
2.45
